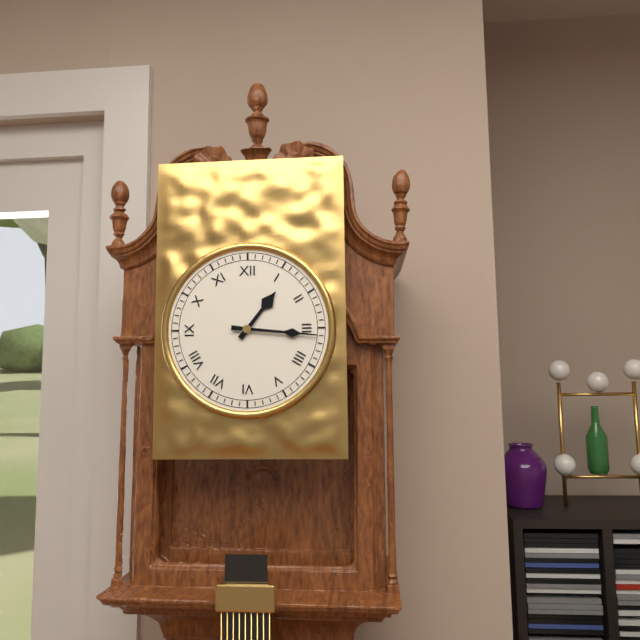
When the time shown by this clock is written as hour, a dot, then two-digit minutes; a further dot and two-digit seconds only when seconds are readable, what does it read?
1.16
